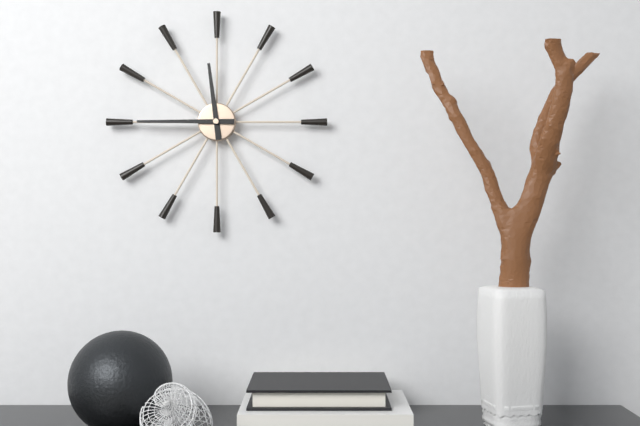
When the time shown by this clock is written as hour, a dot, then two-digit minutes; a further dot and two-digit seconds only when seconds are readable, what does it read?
11.45
